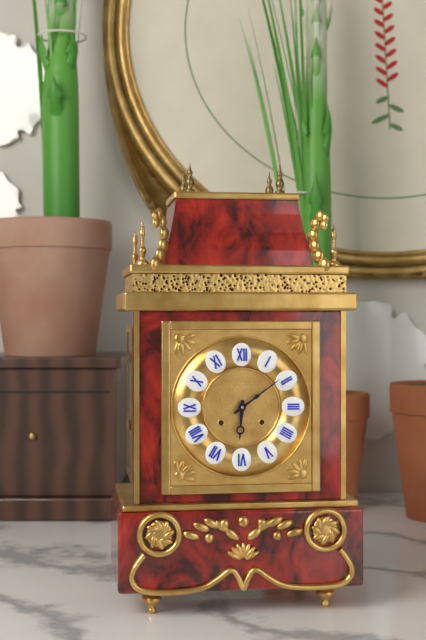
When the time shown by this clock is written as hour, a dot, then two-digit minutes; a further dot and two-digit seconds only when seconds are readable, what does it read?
6.09
